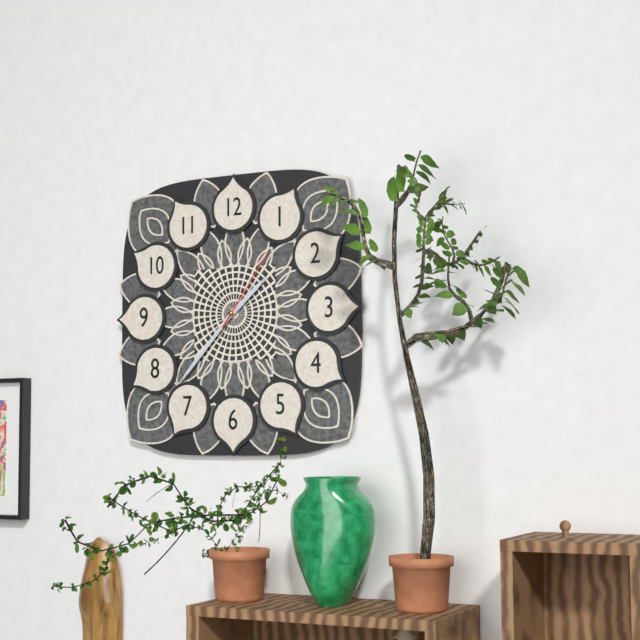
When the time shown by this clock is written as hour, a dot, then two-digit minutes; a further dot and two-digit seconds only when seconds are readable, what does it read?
1.37.06
